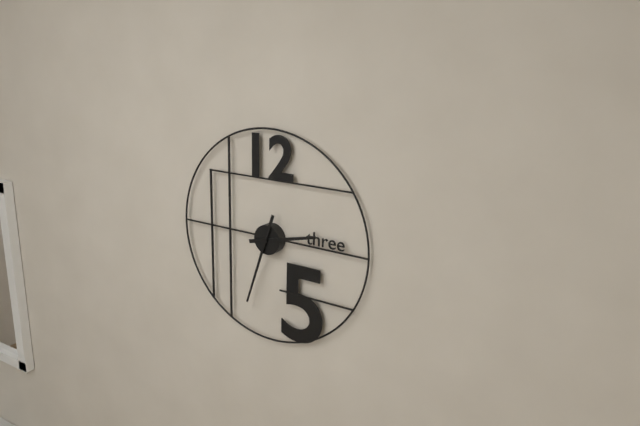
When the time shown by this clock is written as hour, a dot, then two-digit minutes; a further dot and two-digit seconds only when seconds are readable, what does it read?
2.33
